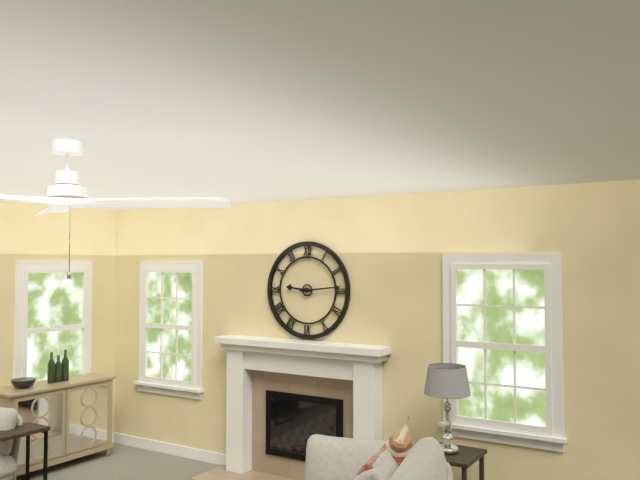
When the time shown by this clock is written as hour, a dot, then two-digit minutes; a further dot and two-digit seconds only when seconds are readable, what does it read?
9.14
